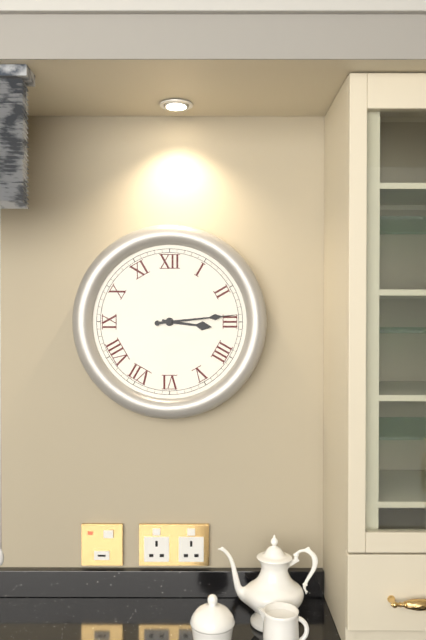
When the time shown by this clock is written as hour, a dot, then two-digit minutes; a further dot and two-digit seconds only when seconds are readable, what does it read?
3.14
